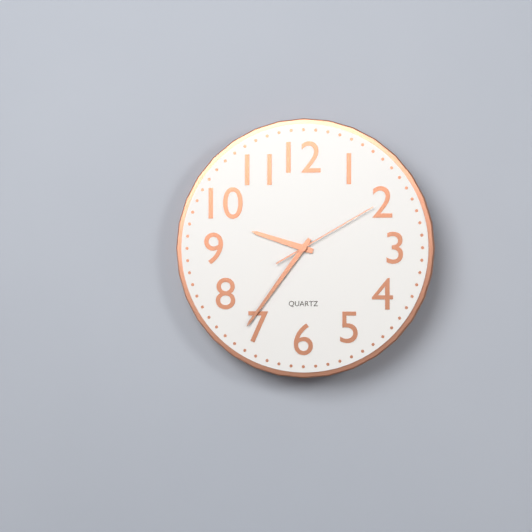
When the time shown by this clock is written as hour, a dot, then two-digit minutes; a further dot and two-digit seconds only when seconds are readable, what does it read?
9.36.10
